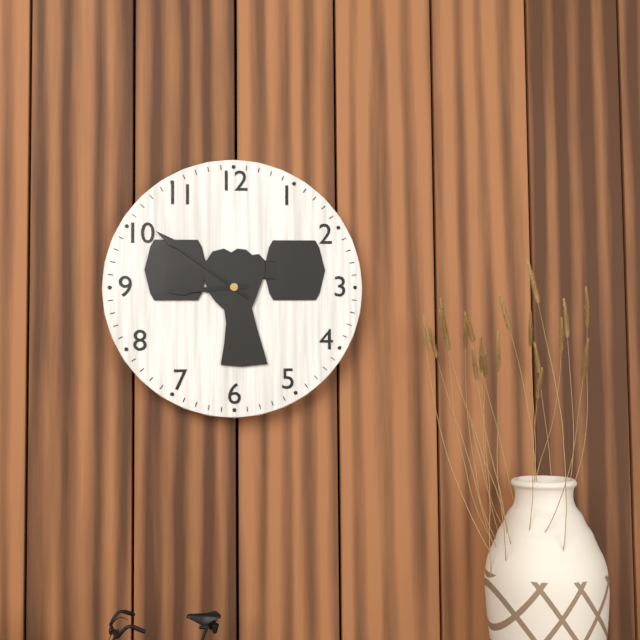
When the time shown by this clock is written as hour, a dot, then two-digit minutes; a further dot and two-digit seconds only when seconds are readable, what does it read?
8.51
